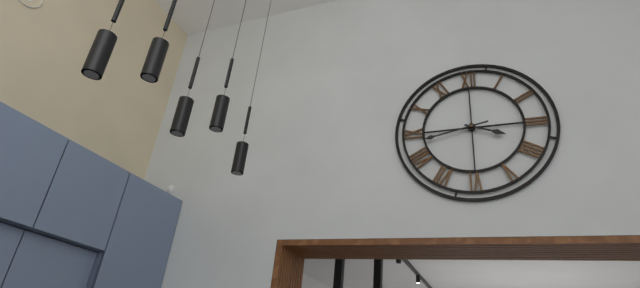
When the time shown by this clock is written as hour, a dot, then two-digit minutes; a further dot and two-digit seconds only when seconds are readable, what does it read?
3.43
